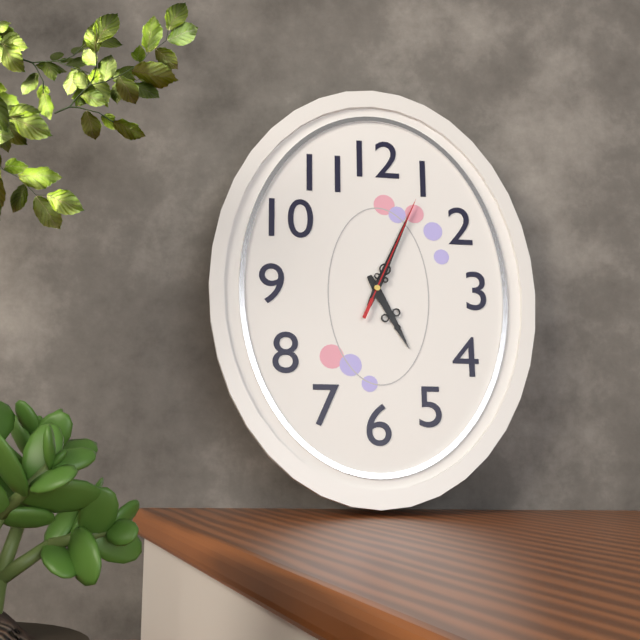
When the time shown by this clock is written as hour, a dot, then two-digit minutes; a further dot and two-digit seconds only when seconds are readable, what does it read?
5.04.04
